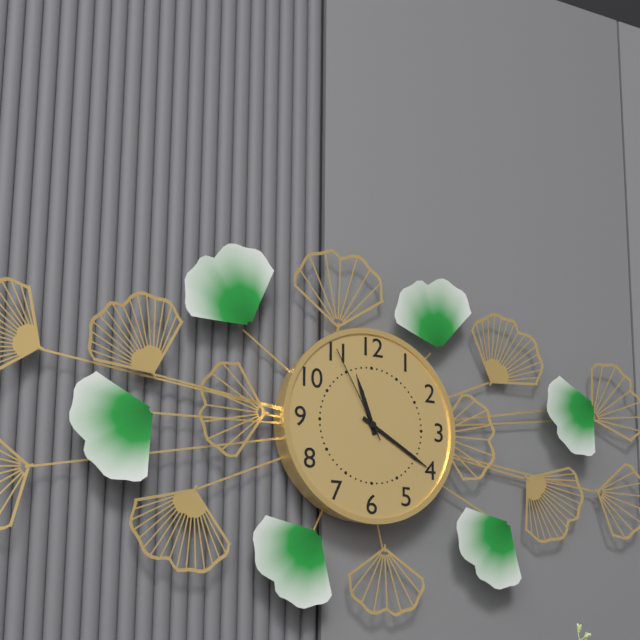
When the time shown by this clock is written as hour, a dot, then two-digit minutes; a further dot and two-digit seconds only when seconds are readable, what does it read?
11.20.55
